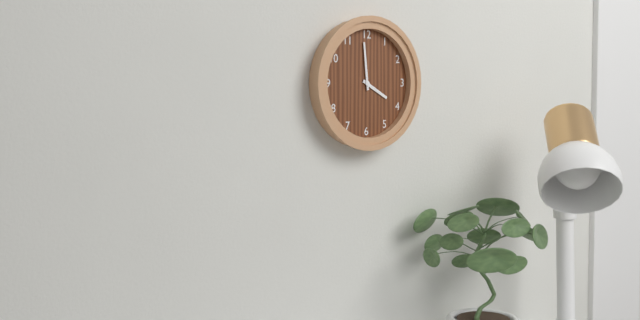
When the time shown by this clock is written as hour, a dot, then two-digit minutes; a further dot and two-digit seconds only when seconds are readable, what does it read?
3.59
